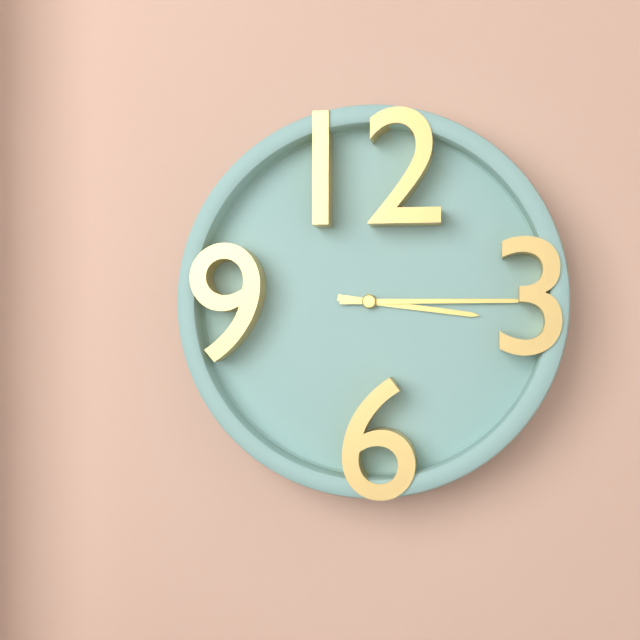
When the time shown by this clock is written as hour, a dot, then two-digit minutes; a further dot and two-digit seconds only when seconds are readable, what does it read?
3.15
